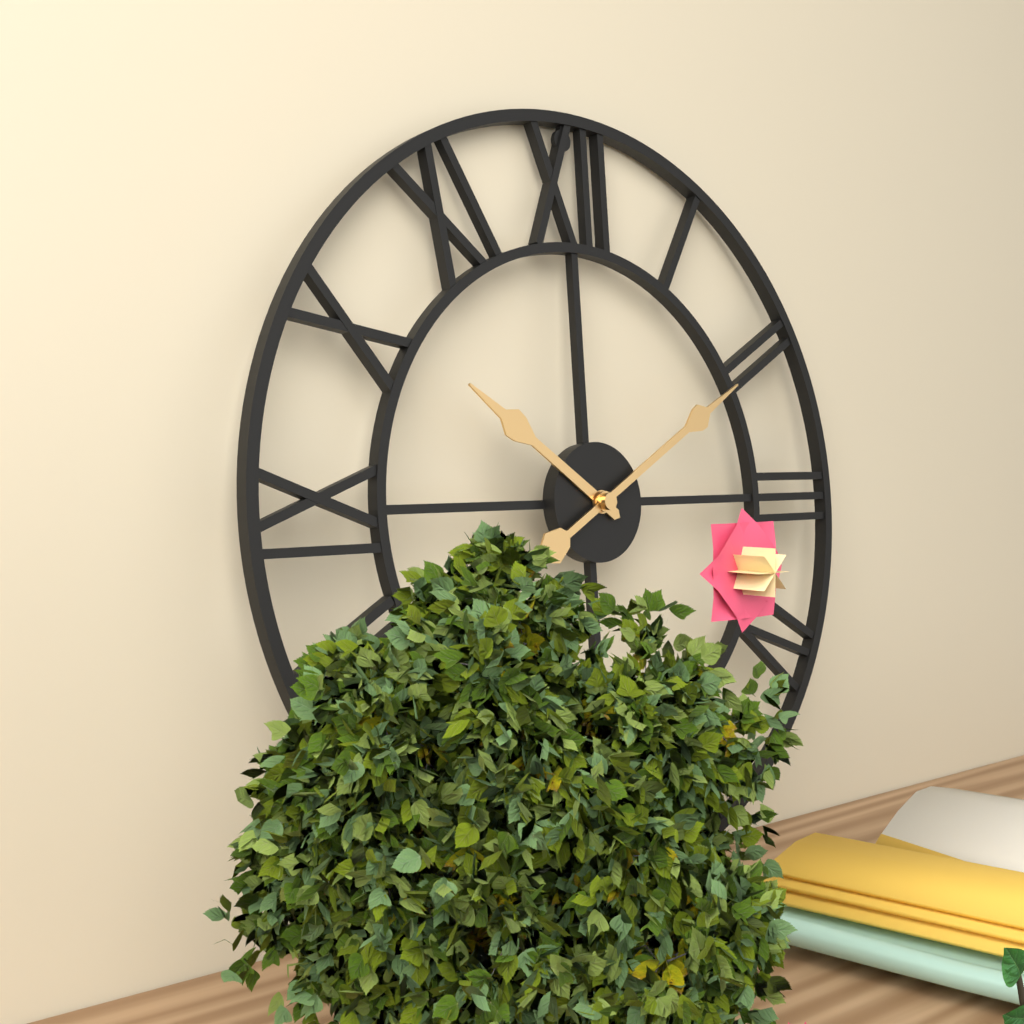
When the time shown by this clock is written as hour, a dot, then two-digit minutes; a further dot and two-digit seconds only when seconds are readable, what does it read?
10.10
